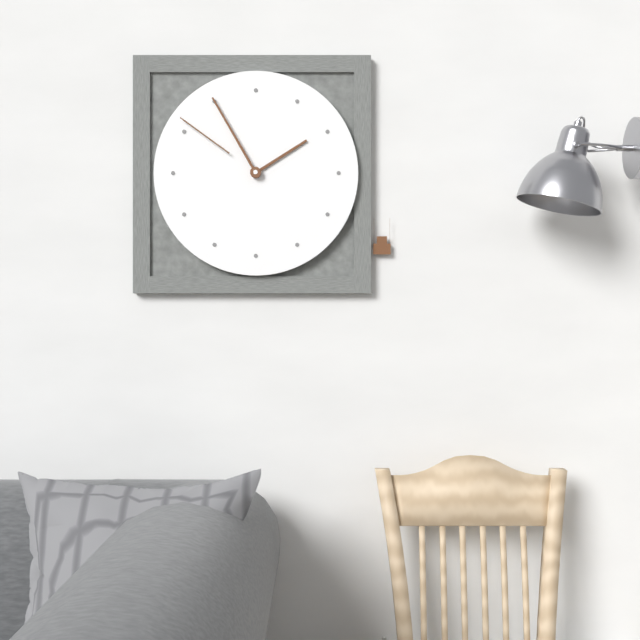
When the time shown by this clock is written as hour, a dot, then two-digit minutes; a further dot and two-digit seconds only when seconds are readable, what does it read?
1.55.51
